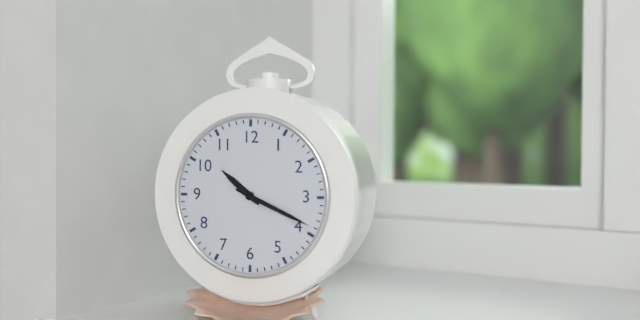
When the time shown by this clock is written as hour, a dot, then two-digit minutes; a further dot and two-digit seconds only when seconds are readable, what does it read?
10.19
